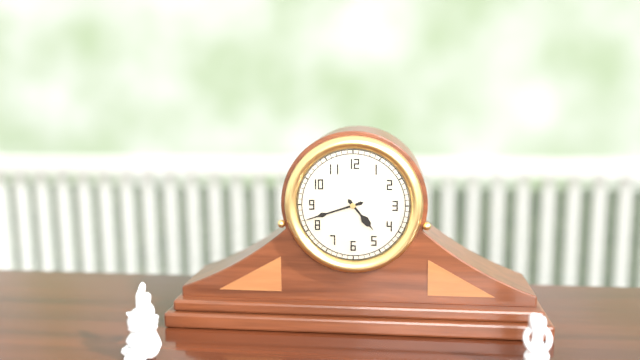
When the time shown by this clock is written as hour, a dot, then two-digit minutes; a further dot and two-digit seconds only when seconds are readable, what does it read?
4.42
